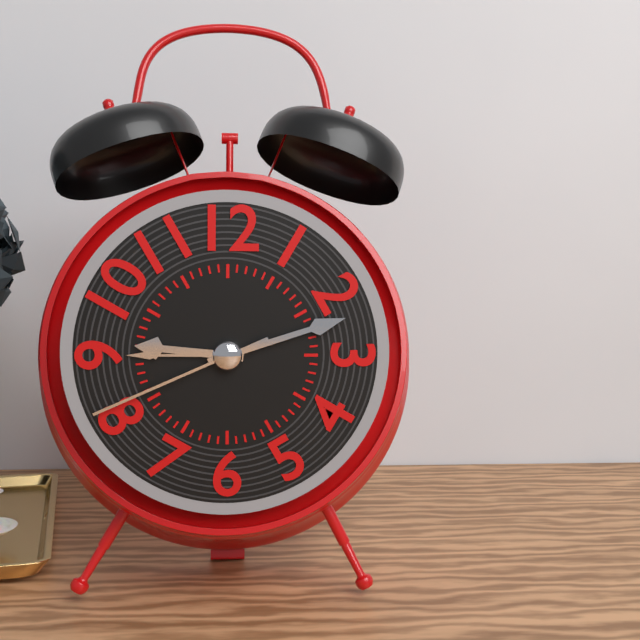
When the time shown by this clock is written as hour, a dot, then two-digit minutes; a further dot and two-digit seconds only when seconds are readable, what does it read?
9.12.41
